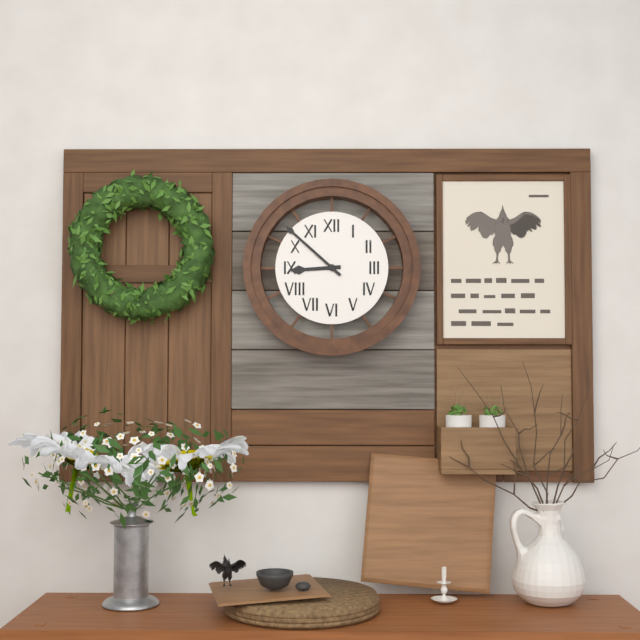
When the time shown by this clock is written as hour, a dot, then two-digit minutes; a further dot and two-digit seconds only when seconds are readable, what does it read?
8.52
